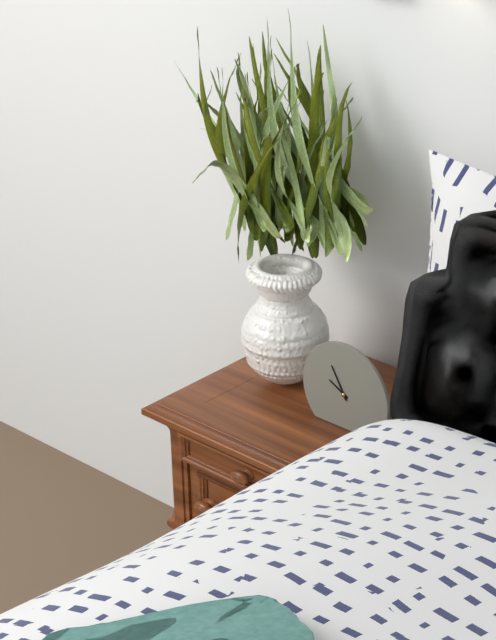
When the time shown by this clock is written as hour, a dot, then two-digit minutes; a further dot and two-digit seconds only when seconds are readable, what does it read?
9.55
